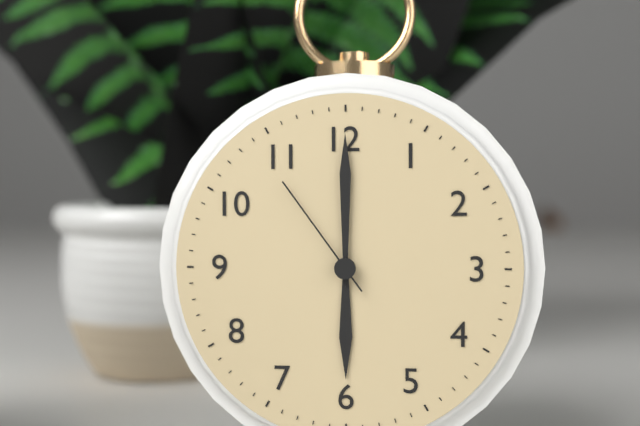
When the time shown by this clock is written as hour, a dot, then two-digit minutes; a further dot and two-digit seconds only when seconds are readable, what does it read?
6.00.54
